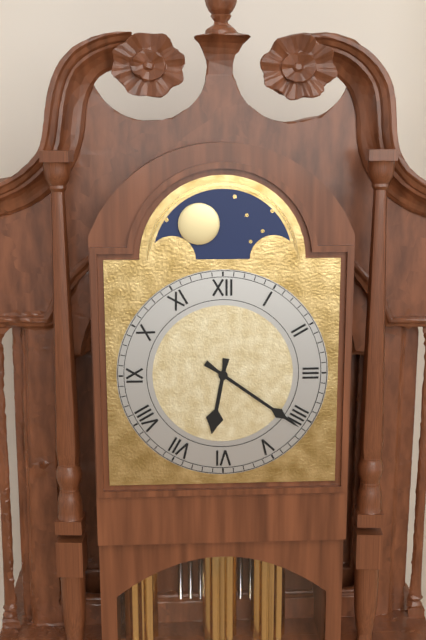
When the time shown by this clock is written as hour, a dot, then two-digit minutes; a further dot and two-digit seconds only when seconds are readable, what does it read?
6.21
